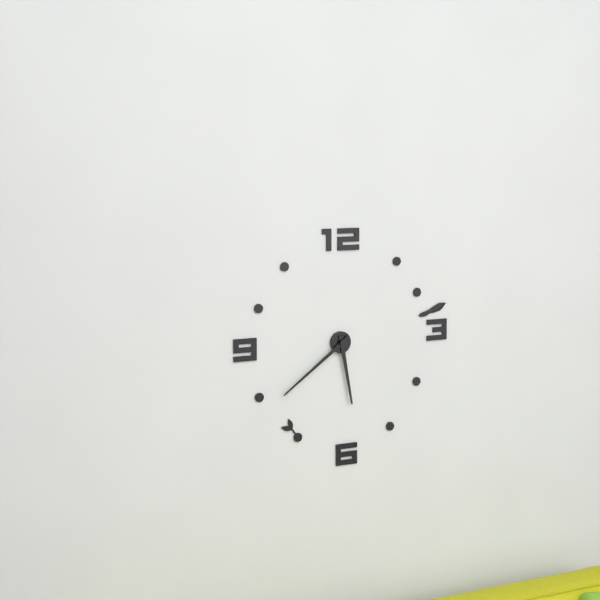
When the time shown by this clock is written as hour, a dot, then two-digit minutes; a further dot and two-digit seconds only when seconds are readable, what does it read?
5.39
